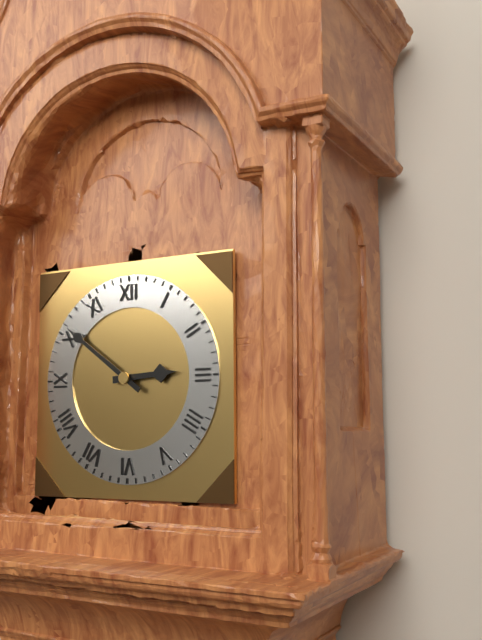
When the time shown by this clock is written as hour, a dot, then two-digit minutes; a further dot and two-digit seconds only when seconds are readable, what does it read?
2.51
